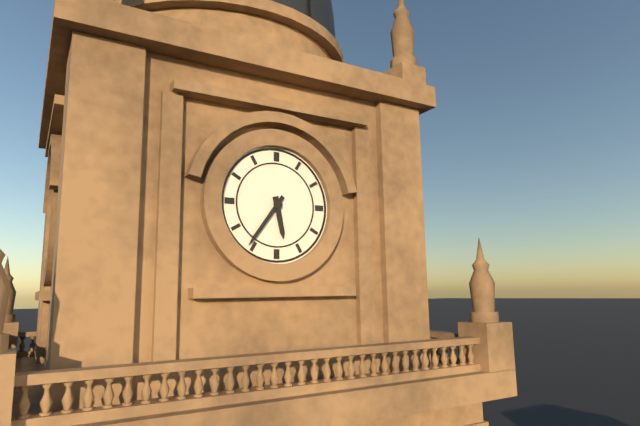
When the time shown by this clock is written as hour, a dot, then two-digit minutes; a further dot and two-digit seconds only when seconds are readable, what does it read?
5.36
